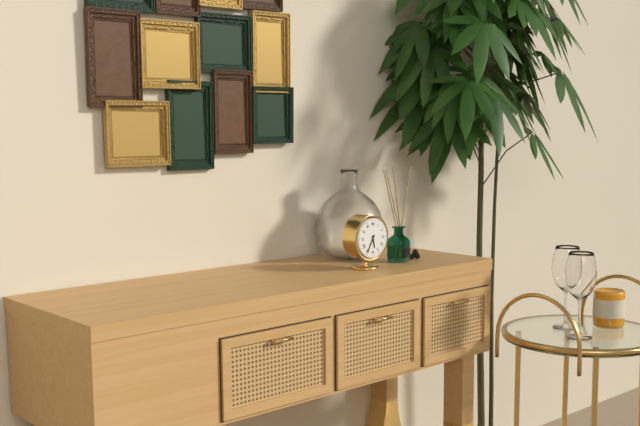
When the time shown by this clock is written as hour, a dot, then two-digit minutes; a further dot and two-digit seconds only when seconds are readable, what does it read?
5.35
